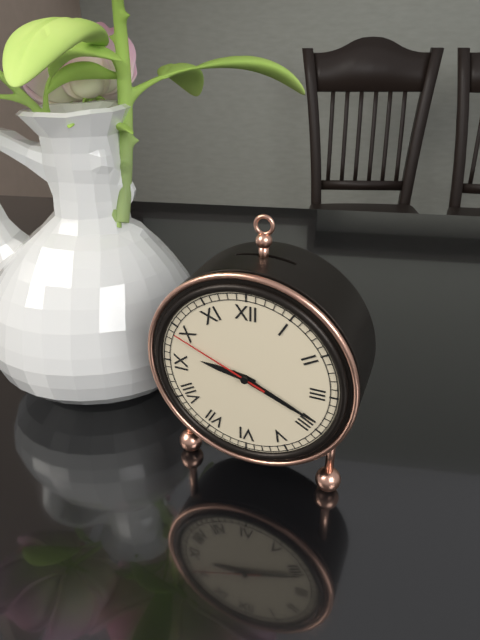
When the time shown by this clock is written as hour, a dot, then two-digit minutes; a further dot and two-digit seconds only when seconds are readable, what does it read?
9.19.49
